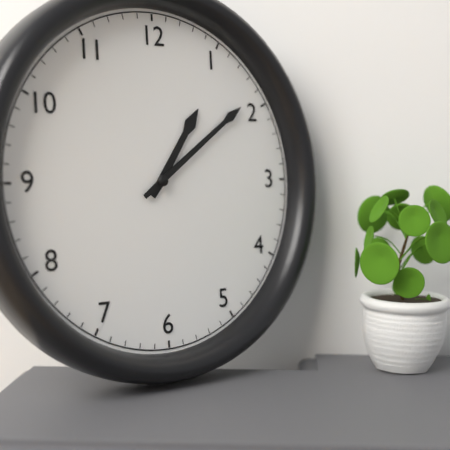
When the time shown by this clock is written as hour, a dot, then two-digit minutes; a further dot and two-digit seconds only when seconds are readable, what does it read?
1.09
